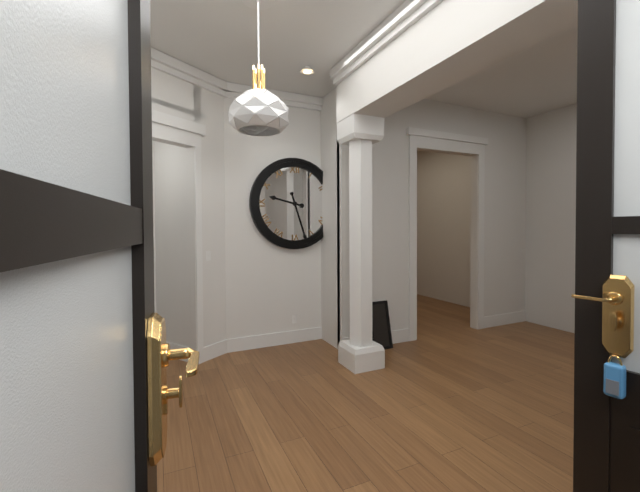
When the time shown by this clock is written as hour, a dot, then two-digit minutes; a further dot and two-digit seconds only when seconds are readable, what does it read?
9.27
